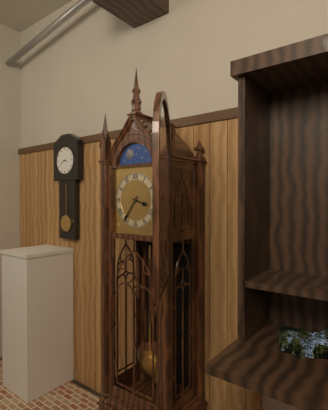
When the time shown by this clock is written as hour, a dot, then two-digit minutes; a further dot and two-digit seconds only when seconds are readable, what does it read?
3.36
